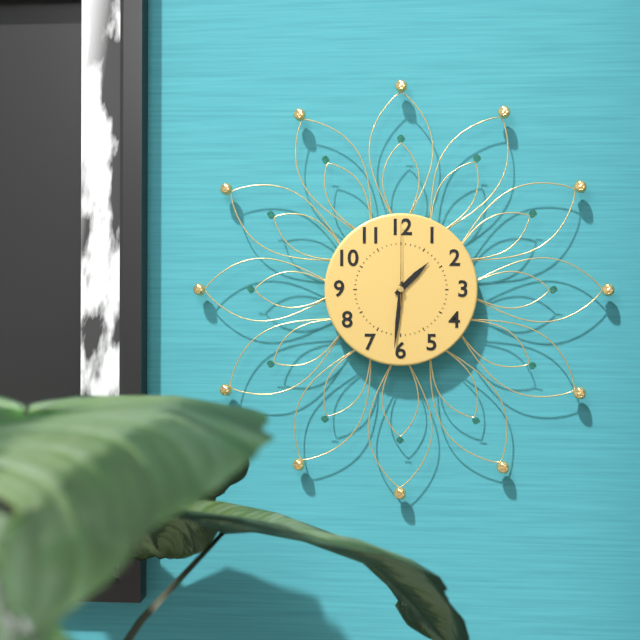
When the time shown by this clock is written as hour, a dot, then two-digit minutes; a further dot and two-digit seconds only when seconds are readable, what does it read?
1.31.00
